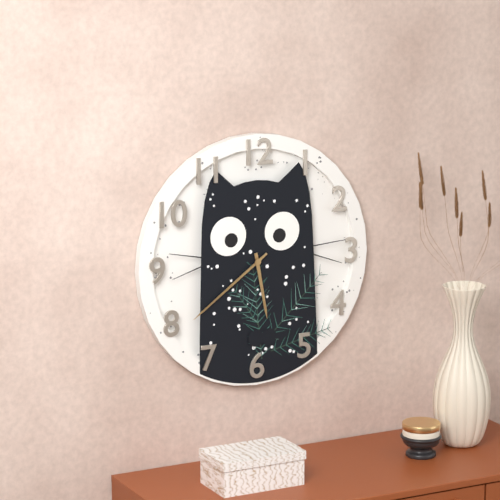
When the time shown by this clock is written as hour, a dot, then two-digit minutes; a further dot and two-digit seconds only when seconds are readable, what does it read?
5.39
